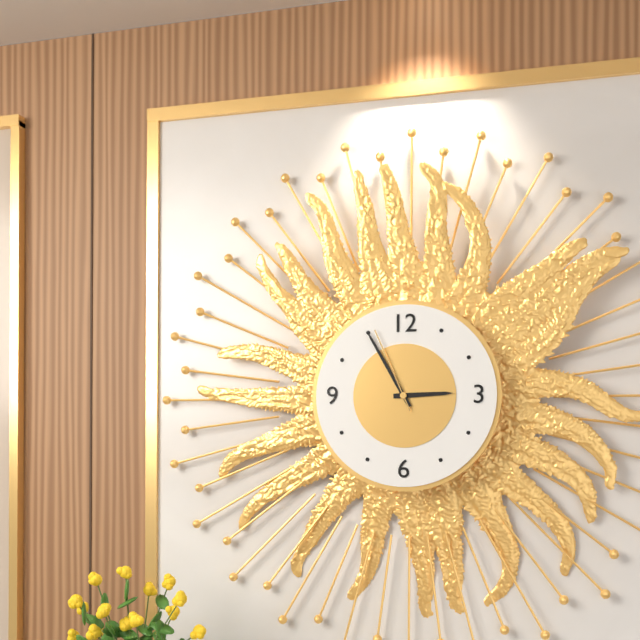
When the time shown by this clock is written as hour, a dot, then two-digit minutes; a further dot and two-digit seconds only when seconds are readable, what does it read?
2.55.56
